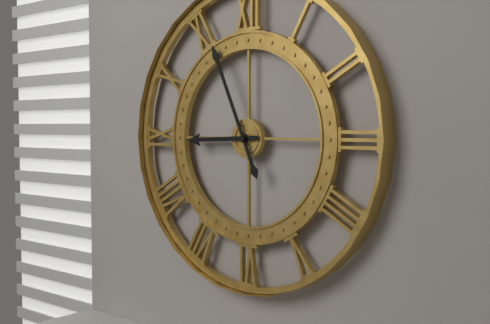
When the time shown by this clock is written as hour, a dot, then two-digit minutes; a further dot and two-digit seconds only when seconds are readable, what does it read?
8.56
